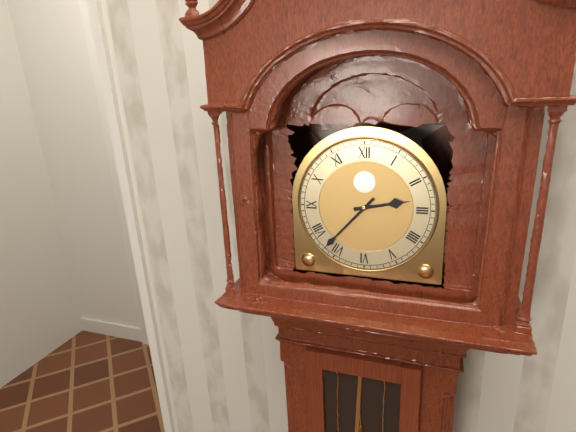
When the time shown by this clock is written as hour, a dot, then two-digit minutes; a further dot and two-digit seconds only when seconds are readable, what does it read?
2.37
